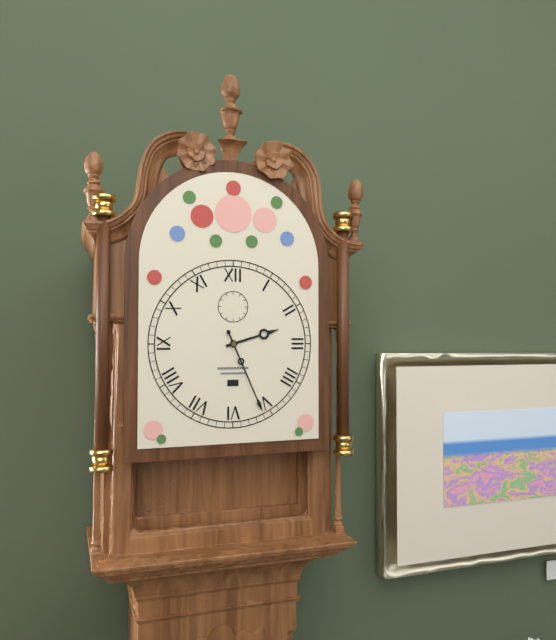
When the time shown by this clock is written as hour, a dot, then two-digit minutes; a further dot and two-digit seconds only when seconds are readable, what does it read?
2.26
